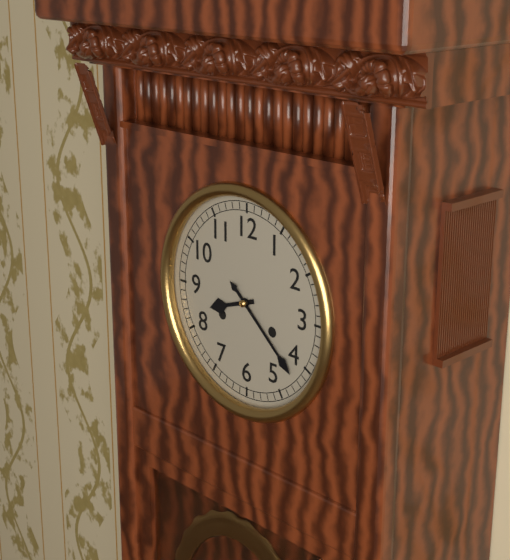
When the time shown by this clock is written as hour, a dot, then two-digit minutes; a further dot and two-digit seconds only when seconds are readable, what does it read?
8.22
